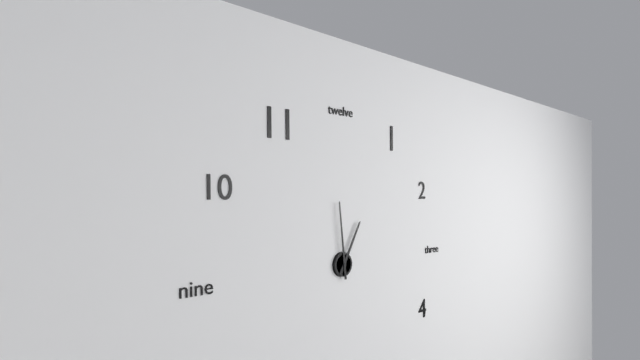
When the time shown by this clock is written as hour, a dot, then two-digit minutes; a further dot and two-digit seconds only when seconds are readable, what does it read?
12.59
